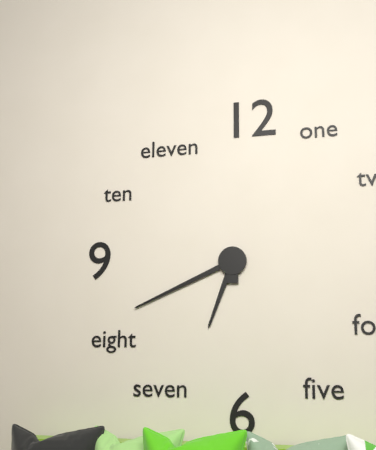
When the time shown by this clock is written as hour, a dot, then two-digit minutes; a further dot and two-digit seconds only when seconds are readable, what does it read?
6.41
